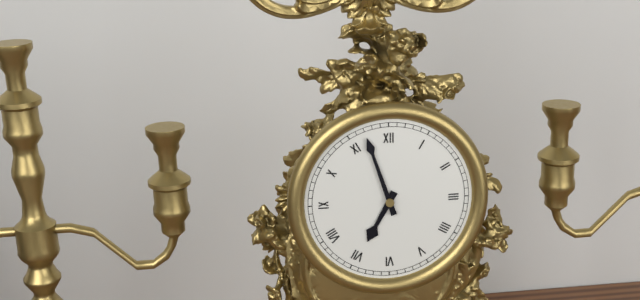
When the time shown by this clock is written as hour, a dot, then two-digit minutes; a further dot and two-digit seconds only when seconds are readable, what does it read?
6.57
